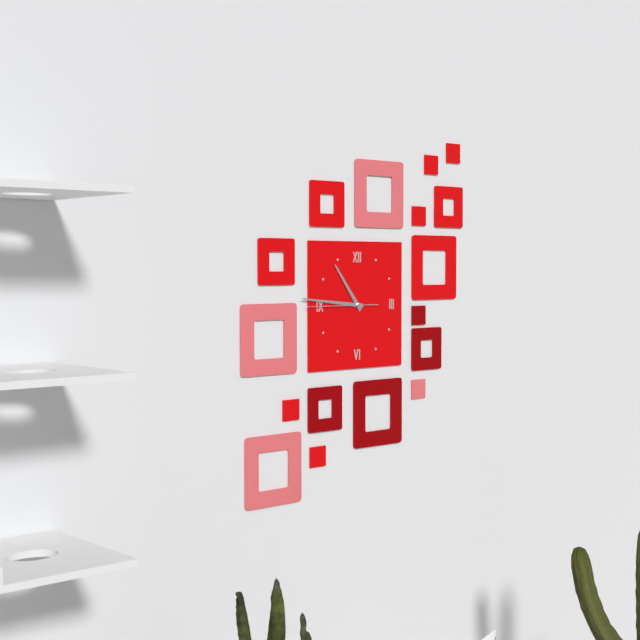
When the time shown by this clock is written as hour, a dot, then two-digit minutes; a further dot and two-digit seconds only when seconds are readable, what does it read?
10.46.45
